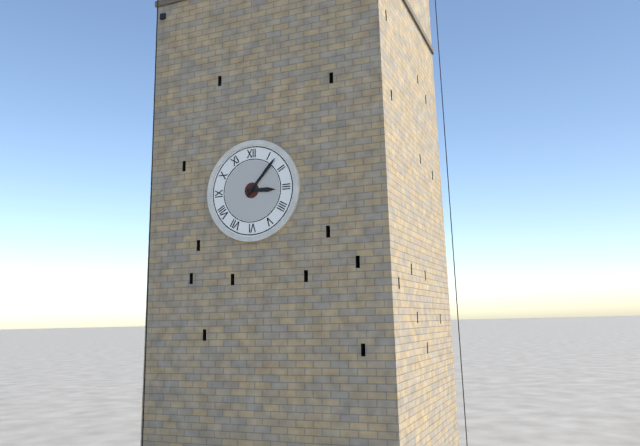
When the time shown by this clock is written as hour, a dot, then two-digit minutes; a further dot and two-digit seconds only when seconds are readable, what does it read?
3.07
